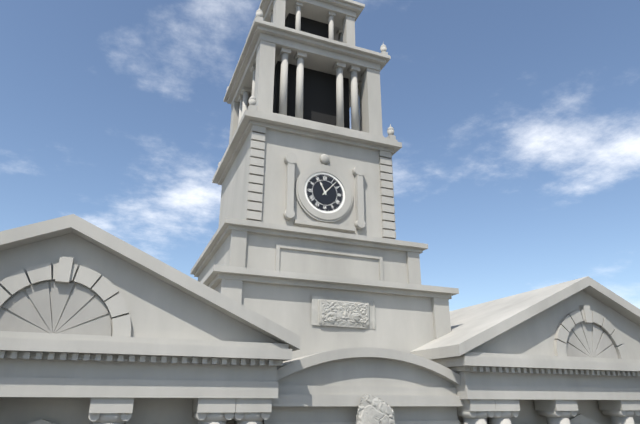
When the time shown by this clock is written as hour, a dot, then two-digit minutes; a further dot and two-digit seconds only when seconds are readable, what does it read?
11.07
